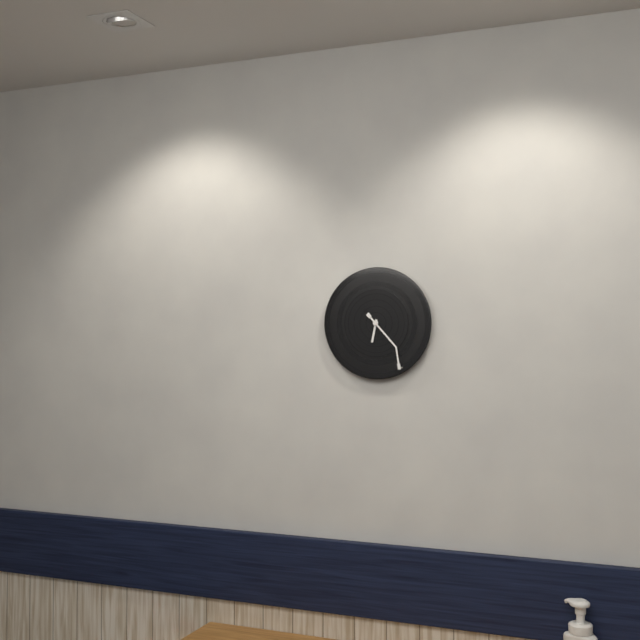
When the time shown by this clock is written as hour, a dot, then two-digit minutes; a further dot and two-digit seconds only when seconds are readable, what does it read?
6.23
